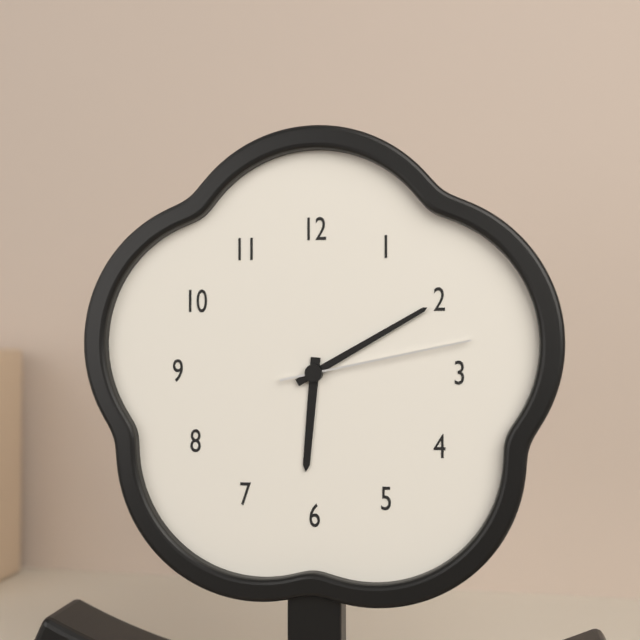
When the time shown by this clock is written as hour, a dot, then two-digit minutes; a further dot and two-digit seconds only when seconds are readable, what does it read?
6.10.13
